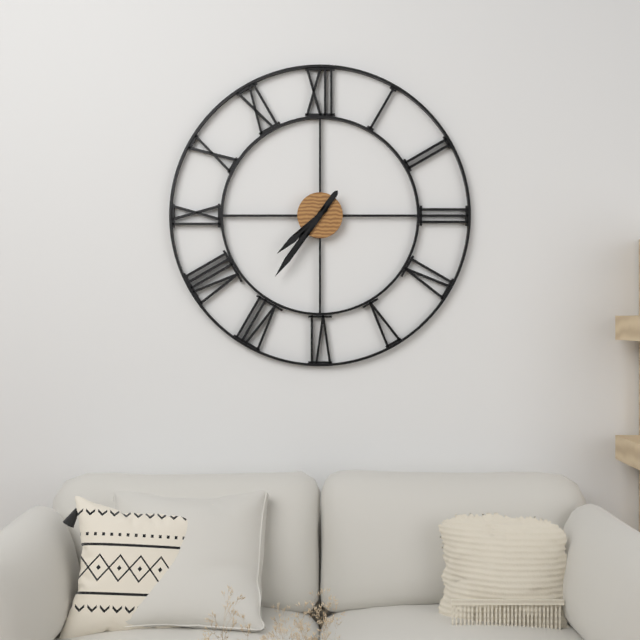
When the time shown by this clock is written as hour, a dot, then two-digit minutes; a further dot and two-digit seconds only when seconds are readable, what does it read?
7.36
